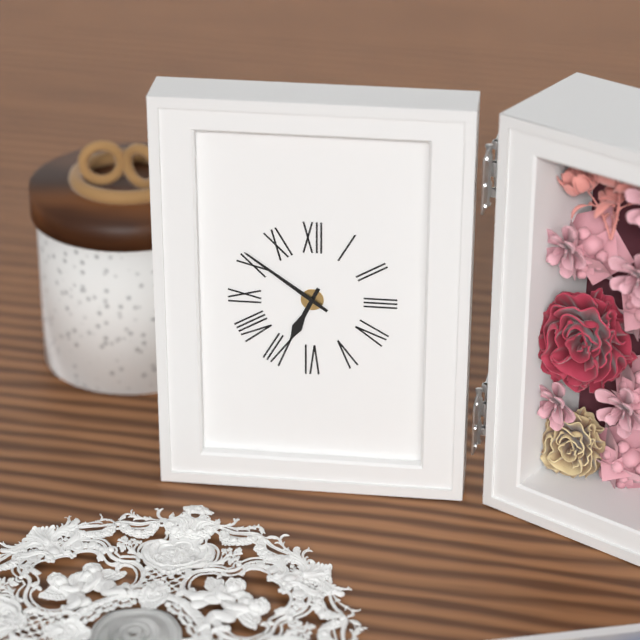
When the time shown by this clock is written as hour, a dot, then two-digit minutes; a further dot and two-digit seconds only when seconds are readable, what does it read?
6.51
